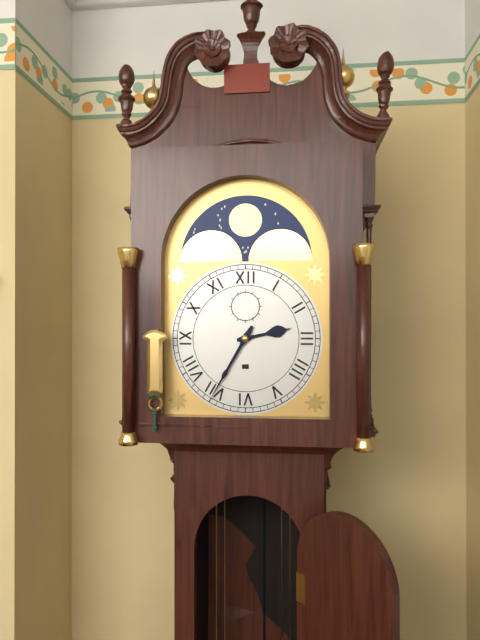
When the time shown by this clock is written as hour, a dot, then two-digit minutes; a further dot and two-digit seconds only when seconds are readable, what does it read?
2.35
